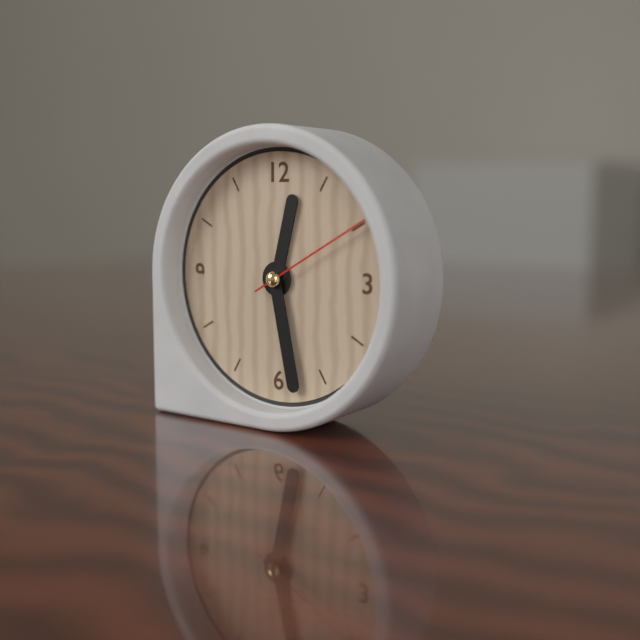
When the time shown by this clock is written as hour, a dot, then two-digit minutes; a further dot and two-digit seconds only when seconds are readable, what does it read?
12.28.10
